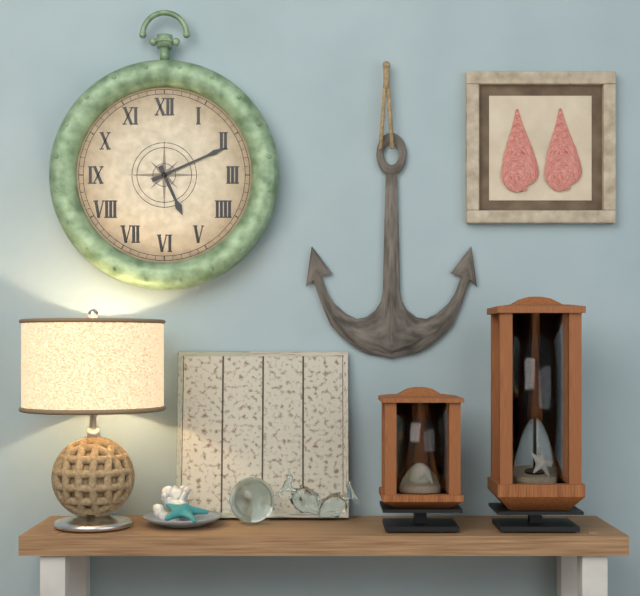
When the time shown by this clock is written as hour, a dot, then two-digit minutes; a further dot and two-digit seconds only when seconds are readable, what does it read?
5.11
